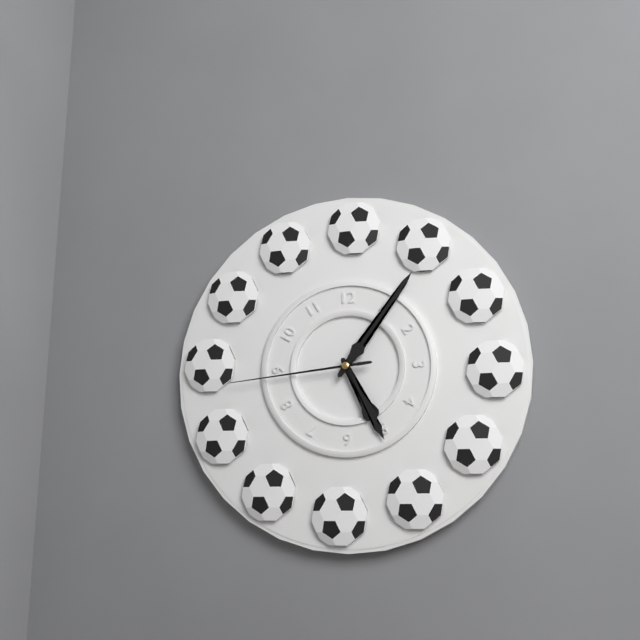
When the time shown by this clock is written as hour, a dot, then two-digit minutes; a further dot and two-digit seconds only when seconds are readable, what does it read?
5.06.44
